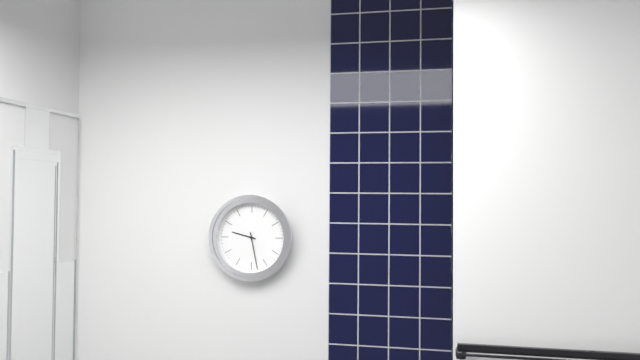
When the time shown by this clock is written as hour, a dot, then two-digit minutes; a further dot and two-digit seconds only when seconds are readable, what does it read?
9.28
